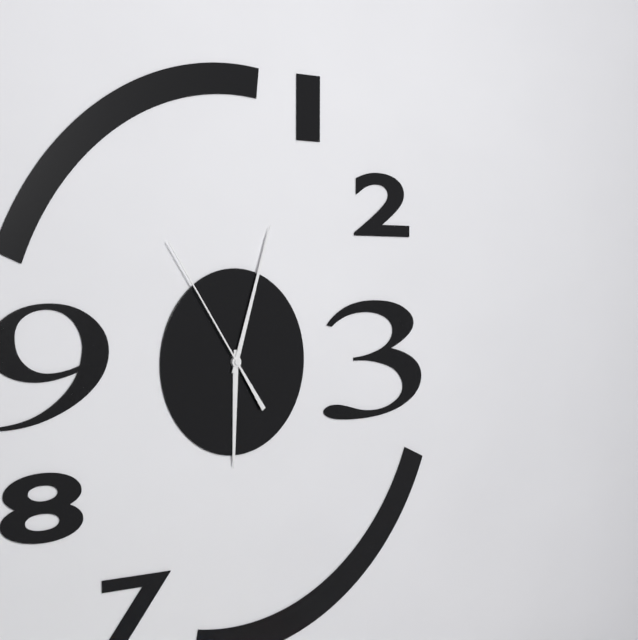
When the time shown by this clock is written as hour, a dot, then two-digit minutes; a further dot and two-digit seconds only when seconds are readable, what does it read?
6.03.54
